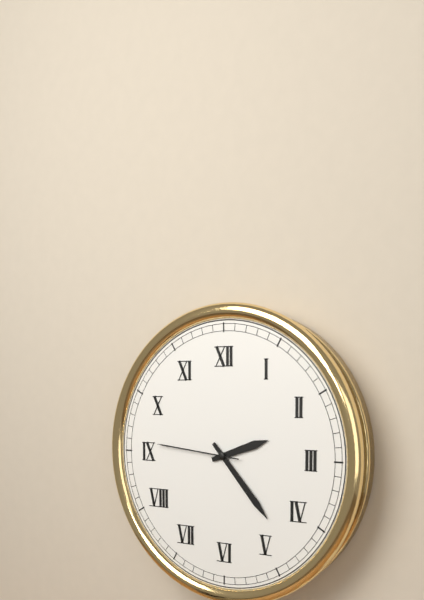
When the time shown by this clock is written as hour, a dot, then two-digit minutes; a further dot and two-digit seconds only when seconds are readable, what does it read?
2.23.46
